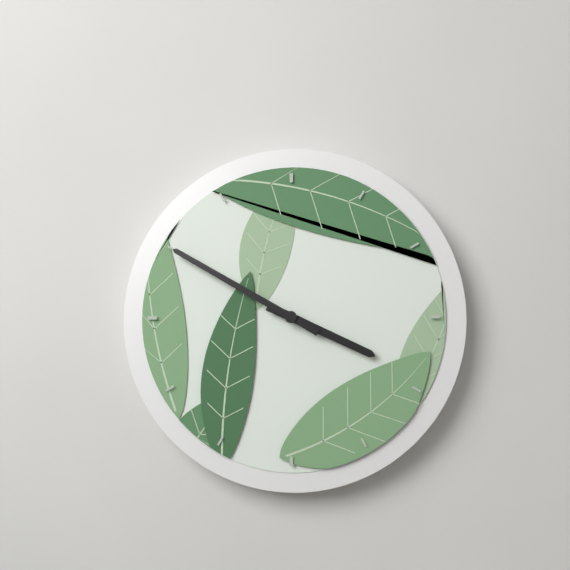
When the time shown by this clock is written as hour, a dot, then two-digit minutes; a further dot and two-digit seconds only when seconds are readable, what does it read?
3.50
